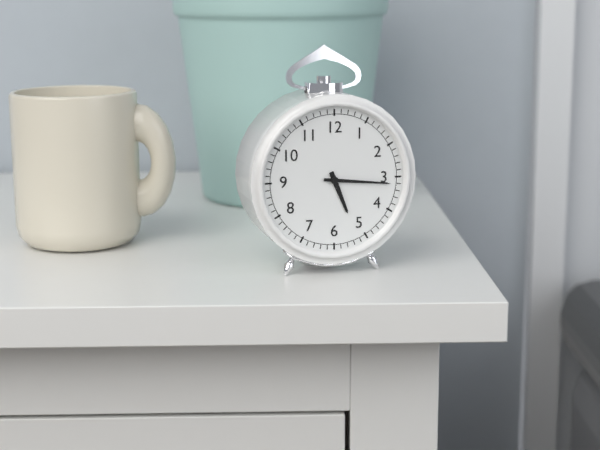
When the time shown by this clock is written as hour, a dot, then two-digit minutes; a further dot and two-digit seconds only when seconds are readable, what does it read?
5.16
